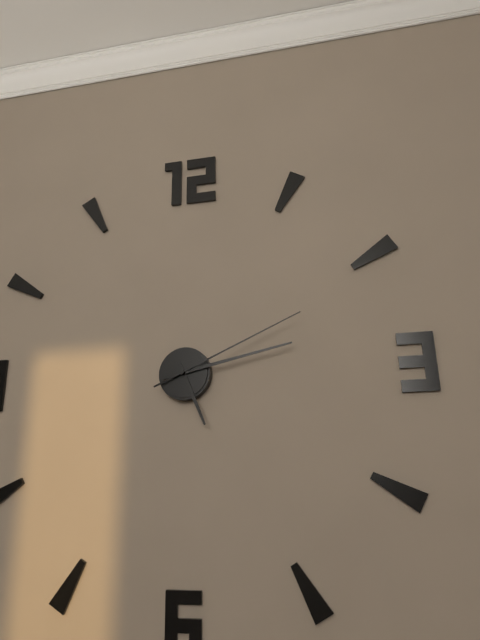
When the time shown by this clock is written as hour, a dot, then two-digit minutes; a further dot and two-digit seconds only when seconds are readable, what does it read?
5.13.11
